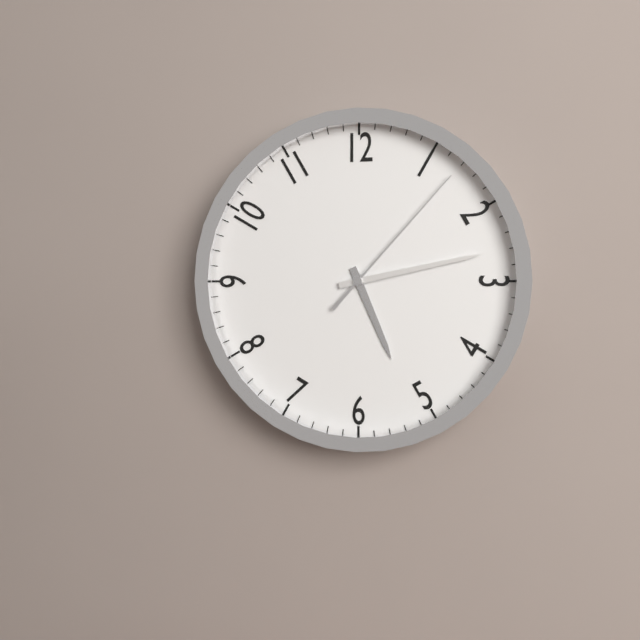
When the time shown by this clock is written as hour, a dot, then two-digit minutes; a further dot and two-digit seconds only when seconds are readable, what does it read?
5.13.07
